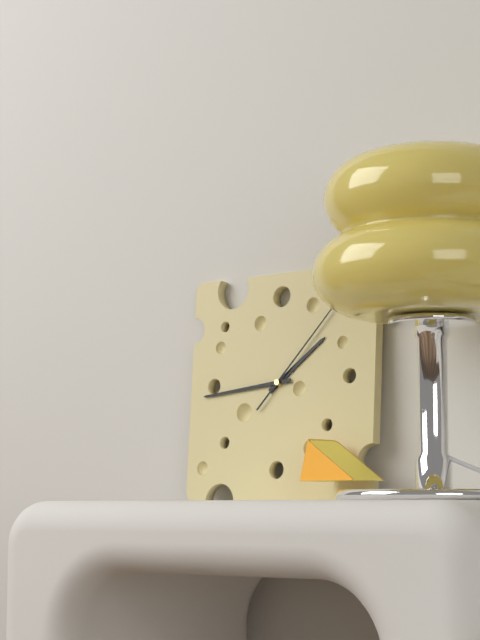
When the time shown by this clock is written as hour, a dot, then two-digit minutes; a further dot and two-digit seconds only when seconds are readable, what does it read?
1.44.07
